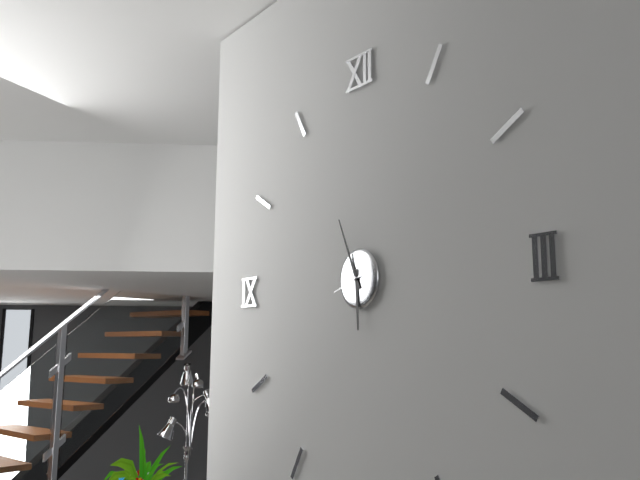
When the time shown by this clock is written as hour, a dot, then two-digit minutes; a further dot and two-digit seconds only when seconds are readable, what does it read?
5.56
